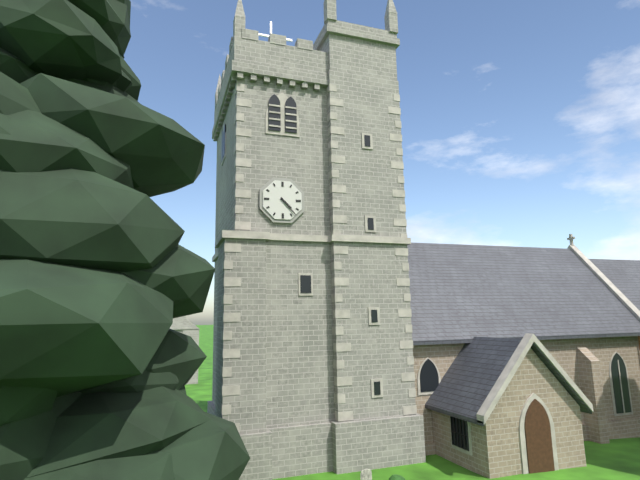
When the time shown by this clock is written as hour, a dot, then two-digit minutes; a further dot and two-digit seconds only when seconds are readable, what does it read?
4.23
